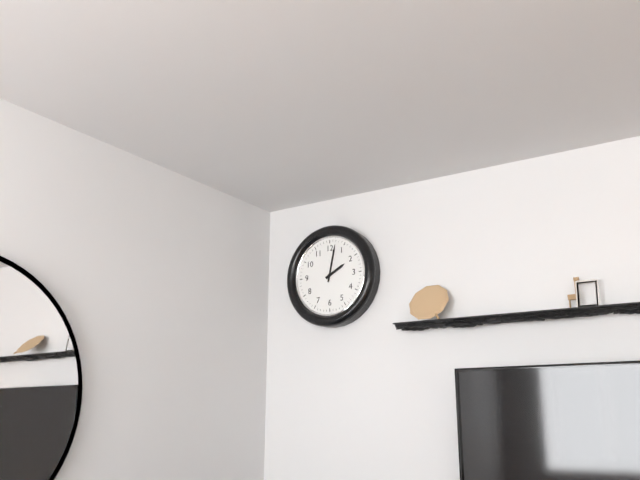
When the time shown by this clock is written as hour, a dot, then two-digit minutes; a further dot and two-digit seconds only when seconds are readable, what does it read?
2.02
